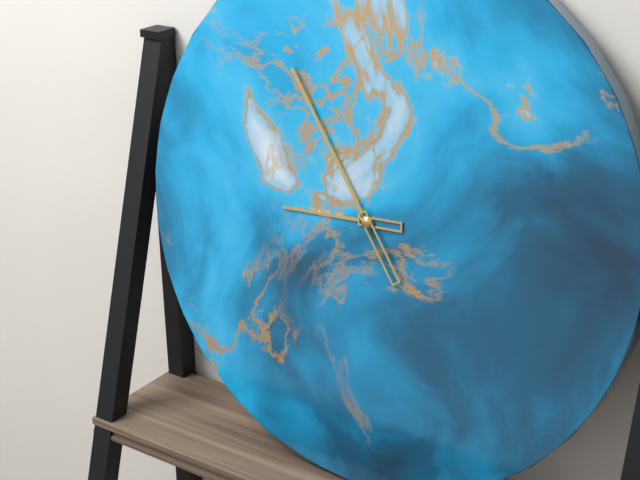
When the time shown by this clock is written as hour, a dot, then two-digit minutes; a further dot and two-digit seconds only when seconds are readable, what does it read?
8.54
